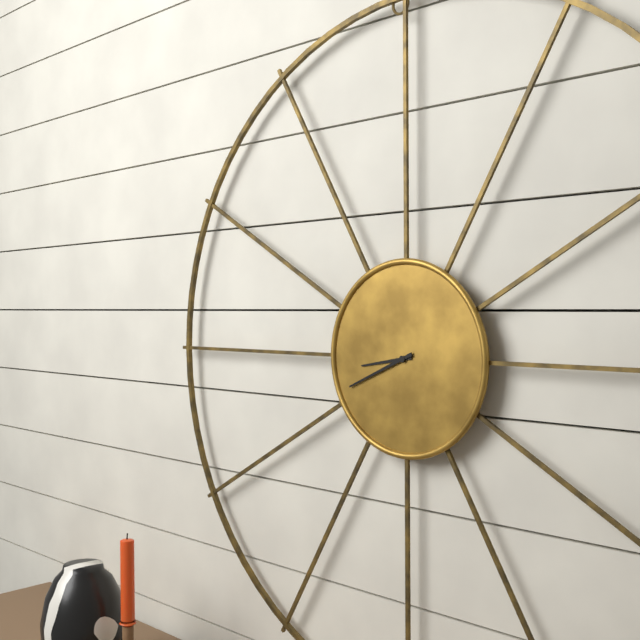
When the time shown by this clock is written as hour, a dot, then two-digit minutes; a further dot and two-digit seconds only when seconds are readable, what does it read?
8.41
